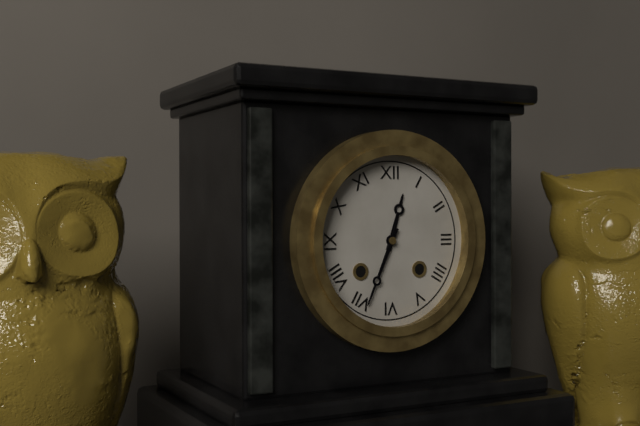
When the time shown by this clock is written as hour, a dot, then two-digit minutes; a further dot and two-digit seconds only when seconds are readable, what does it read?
12.34
